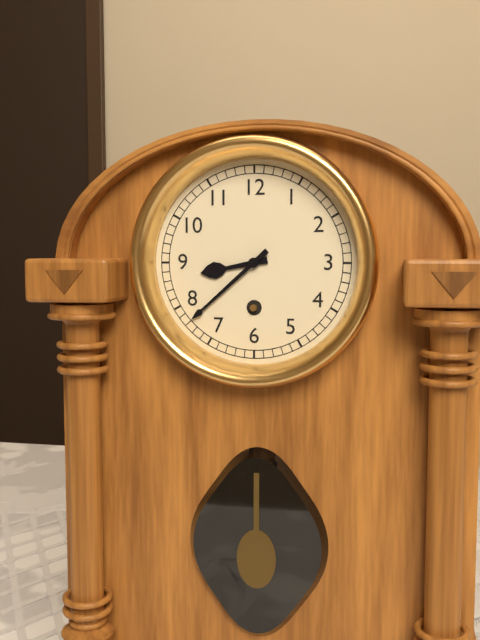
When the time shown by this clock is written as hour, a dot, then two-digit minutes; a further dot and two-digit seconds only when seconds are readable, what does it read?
8.38
